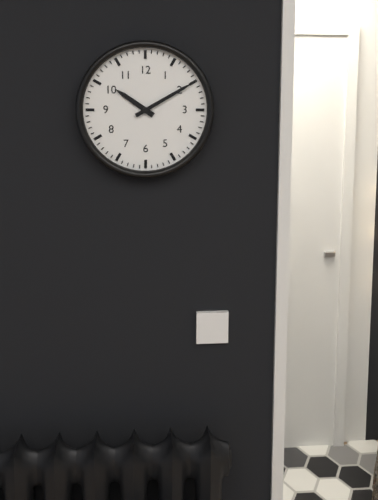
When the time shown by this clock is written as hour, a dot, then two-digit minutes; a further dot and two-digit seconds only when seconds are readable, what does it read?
10.10
